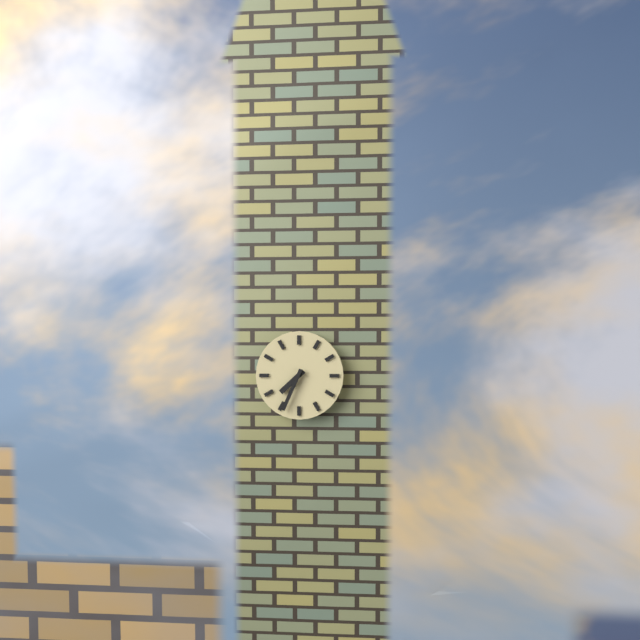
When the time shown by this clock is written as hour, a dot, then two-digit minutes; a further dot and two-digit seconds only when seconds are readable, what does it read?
7.34
